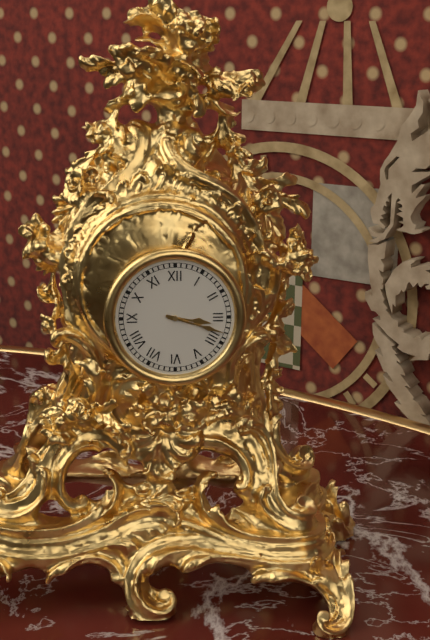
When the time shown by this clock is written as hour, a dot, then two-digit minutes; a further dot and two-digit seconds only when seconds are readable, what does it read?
3.18
